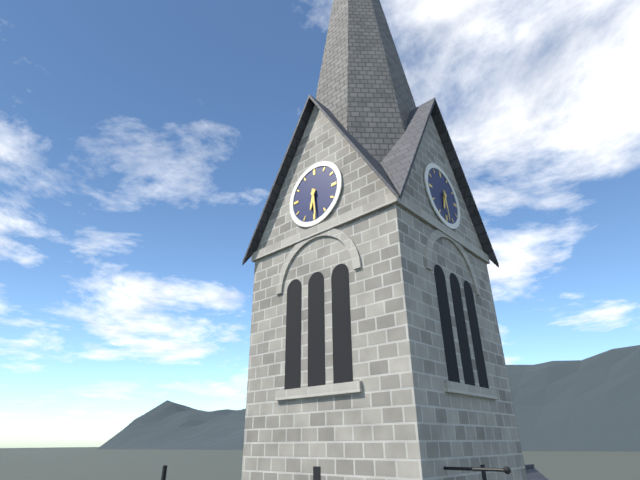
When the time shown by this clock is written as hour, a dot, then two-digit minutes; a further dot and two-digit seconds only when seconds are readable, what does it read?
6.29
